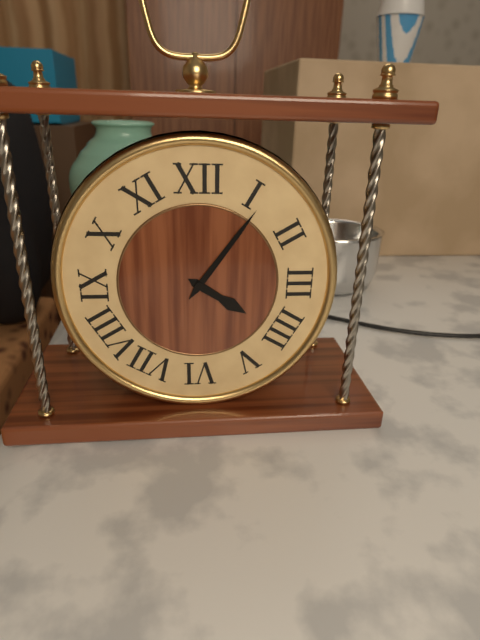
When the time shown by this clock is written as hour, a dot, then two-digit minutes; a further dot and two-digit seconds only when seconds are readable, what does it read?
4.06
